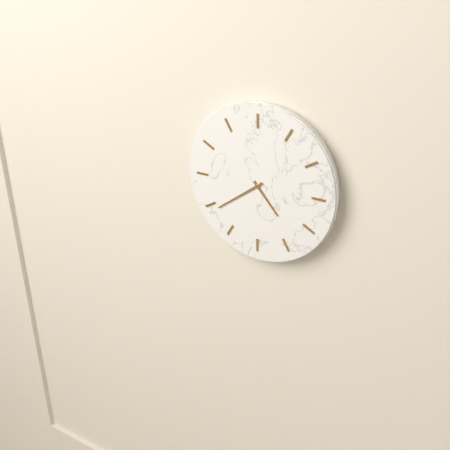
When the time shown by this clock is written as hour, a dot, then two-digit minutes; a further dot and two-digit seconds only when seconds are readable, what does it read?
4.39
